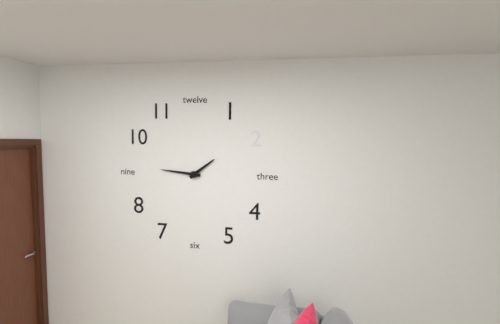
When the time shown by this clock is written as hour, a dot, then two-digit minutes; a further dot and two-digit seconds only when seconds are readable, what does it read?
1.46
